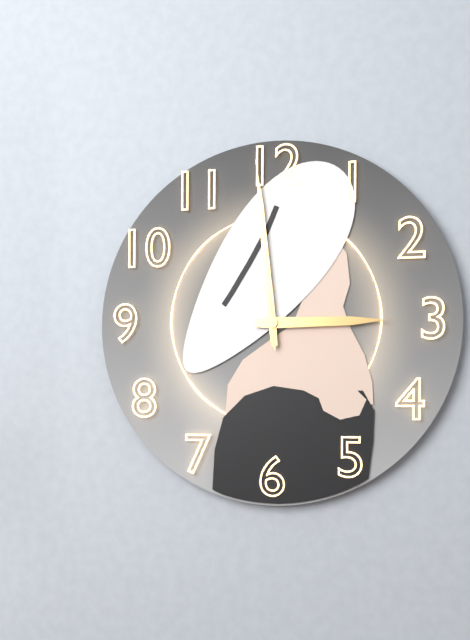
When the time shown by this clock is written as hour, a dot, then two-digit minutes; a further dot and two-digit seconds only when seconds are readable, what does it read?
2.59.59
